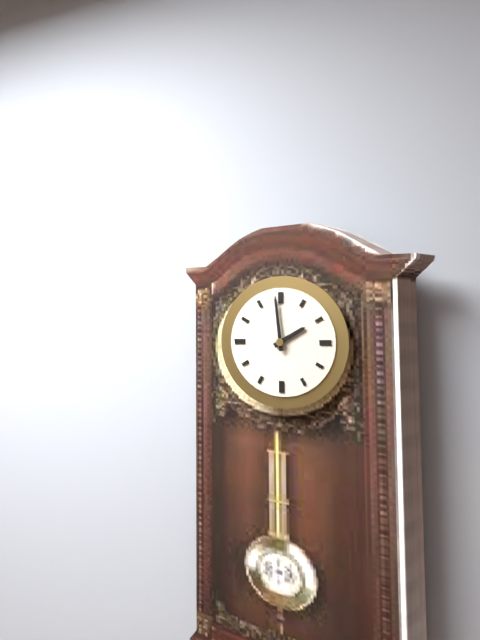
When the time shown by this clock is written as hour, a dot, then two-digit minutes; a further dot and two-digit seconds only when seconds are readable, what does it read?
1.59
